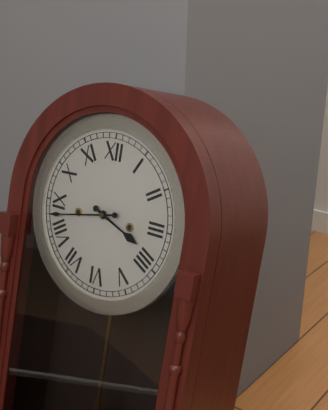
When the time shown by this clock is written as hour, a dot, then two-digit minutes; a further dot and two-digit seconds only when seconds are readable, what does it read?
3.43
